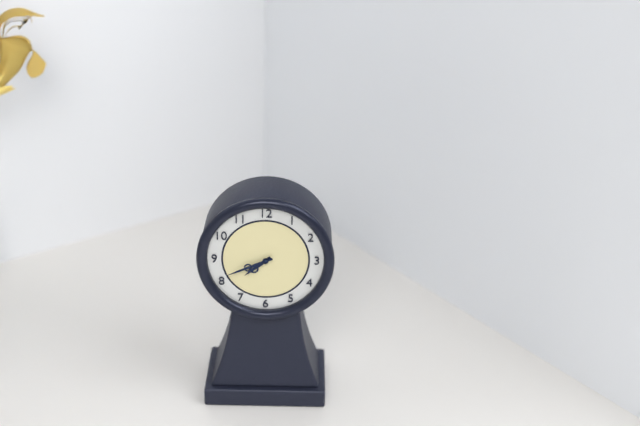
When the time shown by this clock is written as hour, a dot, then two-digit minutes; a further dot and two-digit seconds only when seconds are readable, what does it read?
7.41
